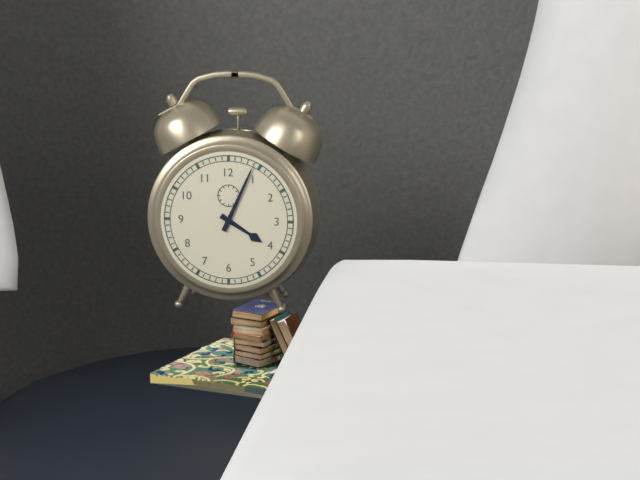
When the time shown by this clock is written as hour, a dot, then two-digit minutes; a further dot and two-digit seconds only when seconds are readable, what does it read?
4.04
